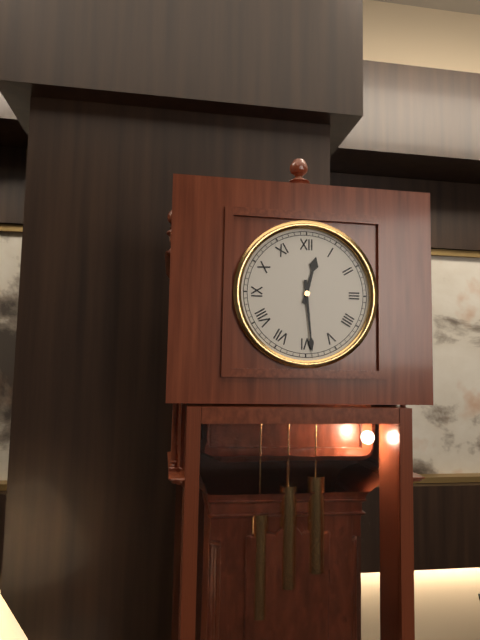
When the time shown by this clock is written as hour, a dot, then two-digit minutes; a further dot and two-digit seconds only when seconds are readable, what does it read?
12.29
